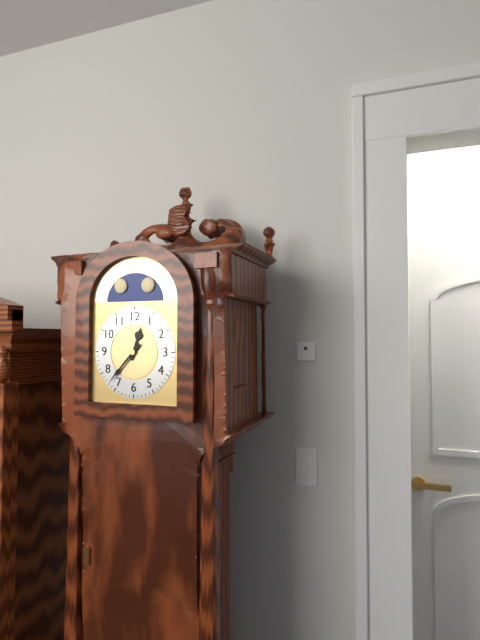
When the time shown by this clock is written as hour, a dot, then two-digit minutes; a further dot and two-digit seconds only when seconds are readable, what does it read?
12.37
